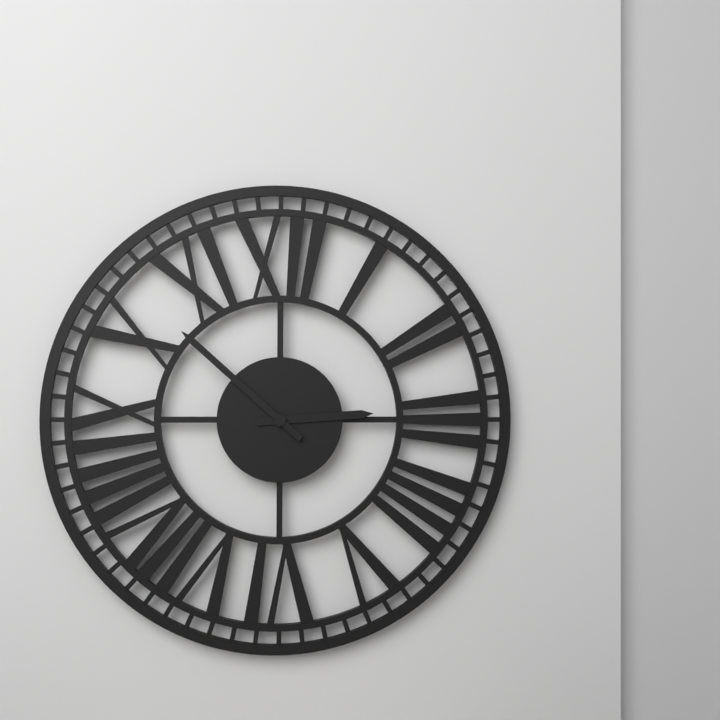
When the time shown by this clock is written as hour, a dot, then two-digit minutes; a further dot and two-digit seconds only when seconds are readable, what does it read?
2.52
